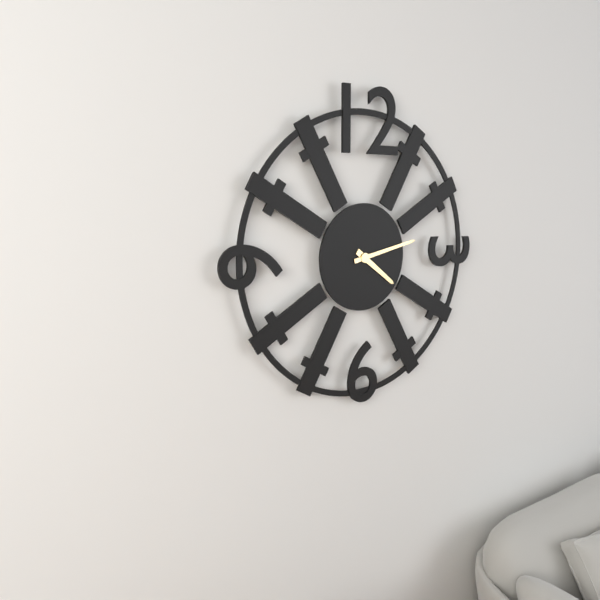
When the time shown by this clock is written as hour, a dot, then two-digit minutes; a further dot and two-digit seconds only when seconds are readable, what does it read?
4.13
